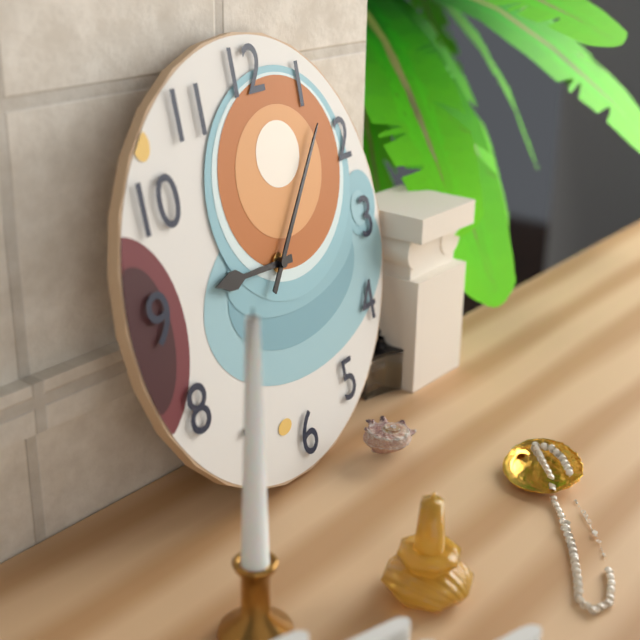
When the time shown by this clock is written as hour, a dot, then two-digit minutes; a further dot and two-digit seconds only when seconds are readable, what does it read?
9.07
